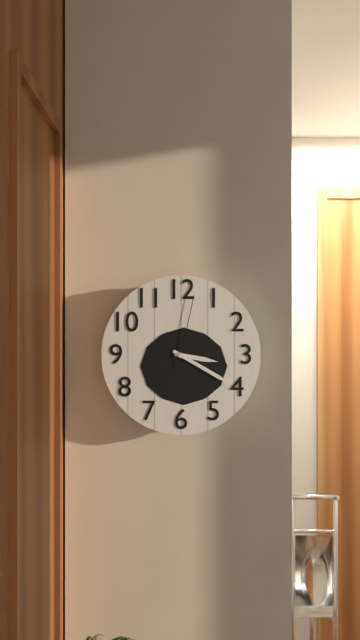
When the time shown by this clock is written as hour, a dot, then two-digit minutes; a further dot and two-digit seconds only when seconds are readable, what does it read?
3.20.02
